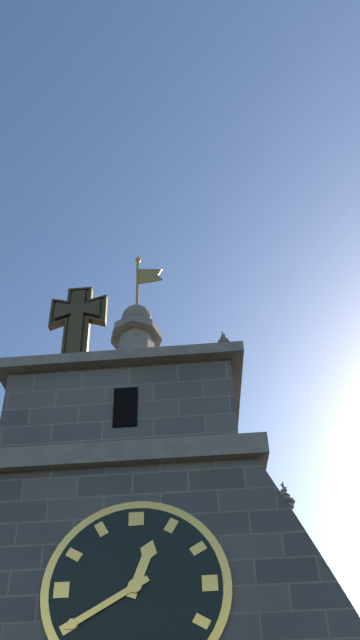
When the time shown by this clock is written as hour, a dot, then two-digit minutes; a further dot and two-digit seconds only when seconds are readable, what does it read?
12.40
